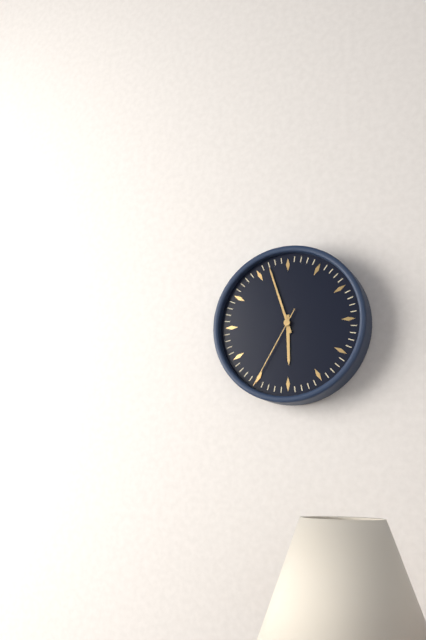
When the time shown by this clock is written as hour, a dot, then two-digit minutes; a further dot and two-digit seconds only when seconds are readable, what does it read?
5.57.35
